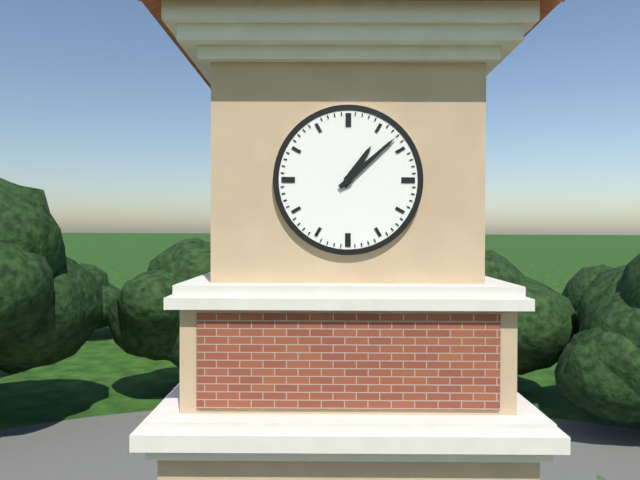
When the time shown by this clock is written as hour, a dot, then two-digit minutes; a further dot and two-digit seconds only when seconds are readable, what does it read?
1.08
